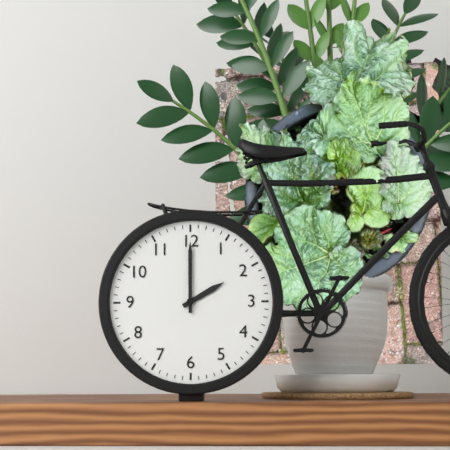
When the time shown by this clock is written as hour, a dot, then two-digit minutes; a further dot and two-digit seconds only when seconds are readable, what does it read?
2.00
